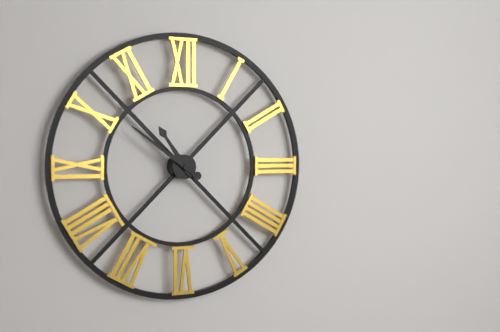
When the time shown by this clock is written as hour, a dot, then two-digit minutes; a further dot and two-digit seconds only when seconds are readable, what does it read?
10.51
